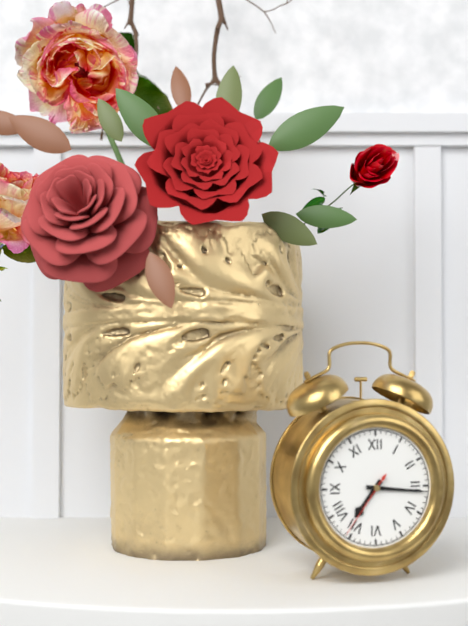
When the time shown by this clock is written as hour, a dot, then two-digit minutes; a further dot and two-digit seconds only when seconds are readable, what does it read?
7.16.36
